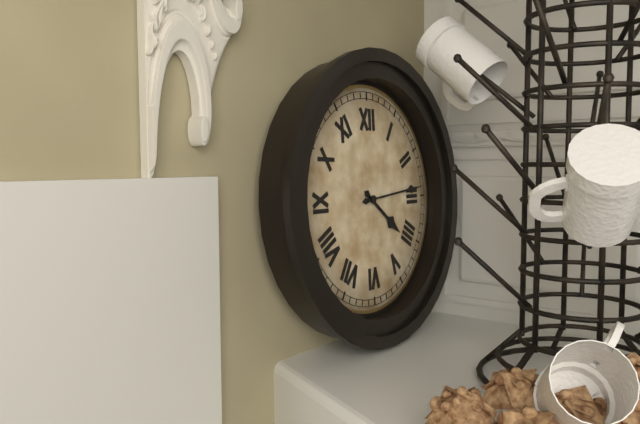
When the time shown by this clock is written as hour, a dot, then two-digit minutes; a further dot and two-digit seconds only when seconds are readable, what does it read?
4.14
